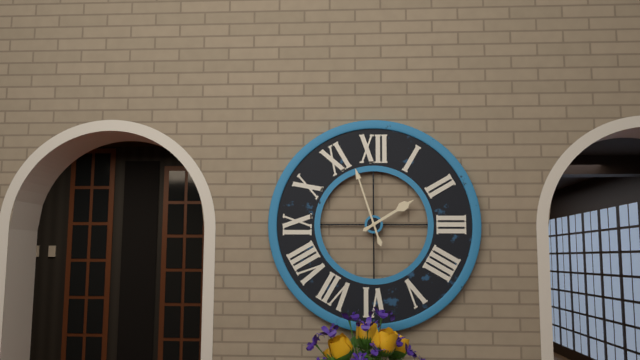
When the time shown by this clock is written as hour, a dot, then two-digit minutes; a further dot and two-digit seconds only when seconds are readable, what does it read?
1.57
